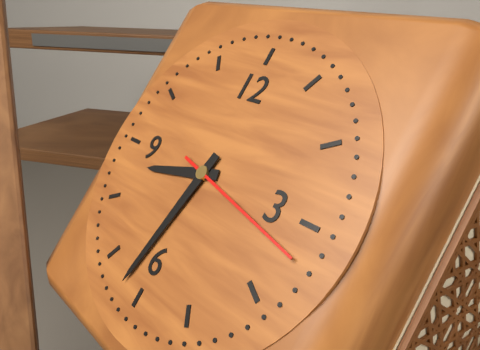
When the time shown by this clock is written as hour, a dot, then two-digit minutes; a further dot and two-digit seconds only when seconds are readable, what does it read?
8.32.17
